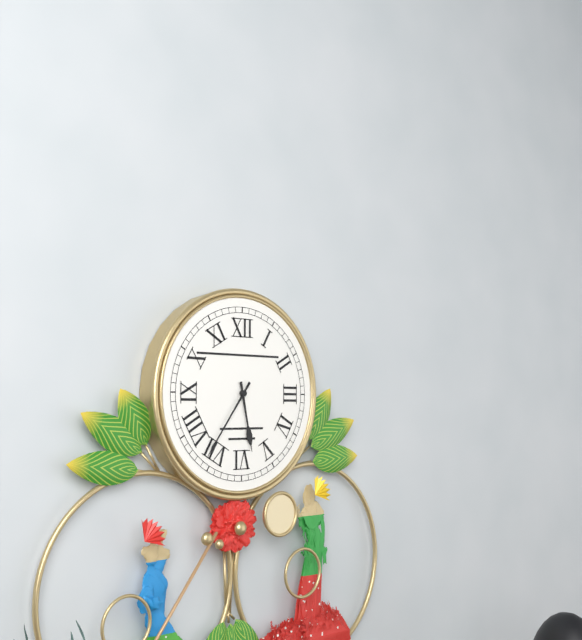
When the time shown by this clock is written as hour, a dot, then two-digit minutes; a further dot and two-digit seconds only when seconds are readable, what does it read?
5.36
